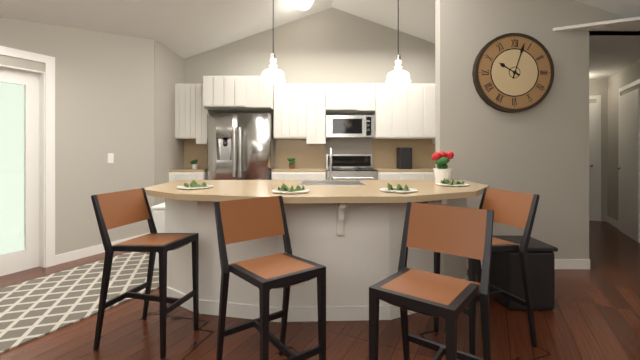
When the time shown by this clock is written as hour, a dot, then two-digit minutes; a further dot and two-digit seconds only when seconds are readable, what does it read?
10.03
